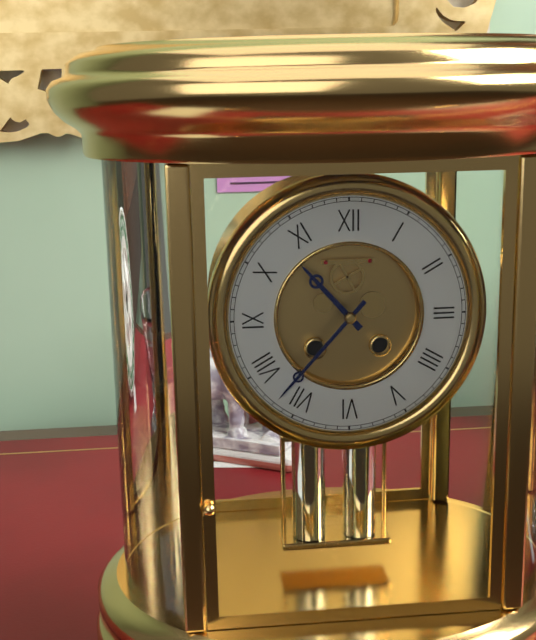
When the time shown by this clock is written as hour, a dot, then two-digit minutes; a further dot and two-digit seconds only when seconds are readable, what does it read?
10.37
